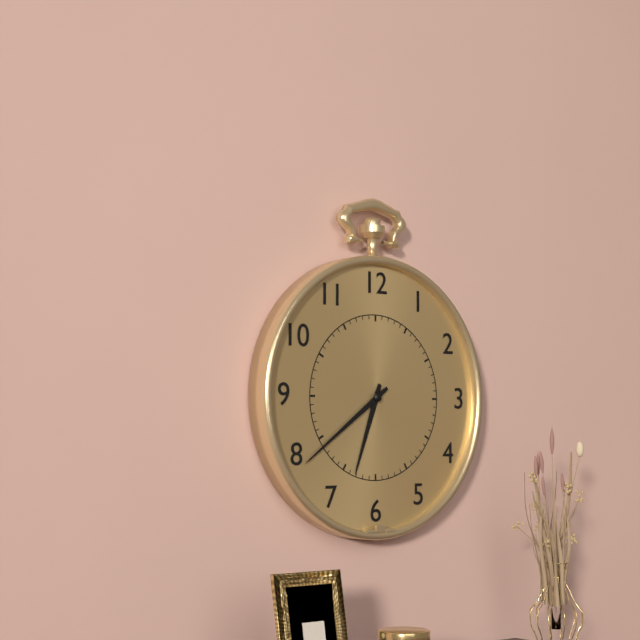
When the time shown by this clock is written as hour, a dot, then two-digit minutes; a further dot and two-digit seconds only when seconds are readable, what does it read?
6.39
